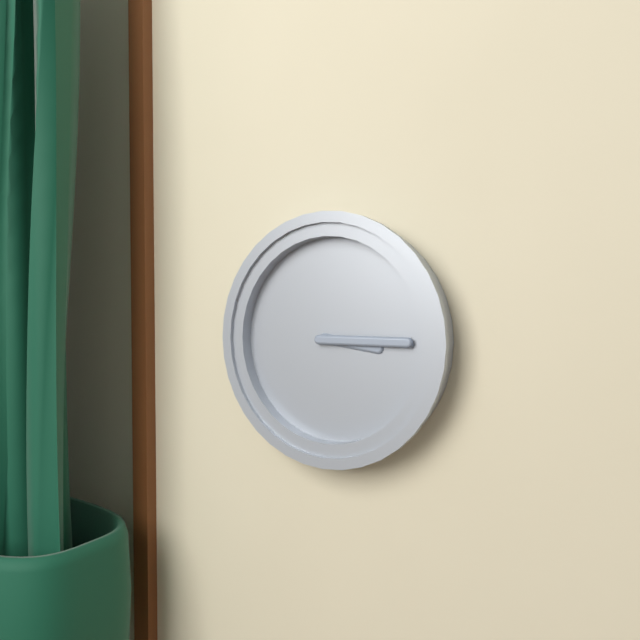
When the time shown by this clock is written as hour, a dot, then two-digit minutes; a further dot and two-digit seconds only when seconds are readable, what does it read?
3.15
